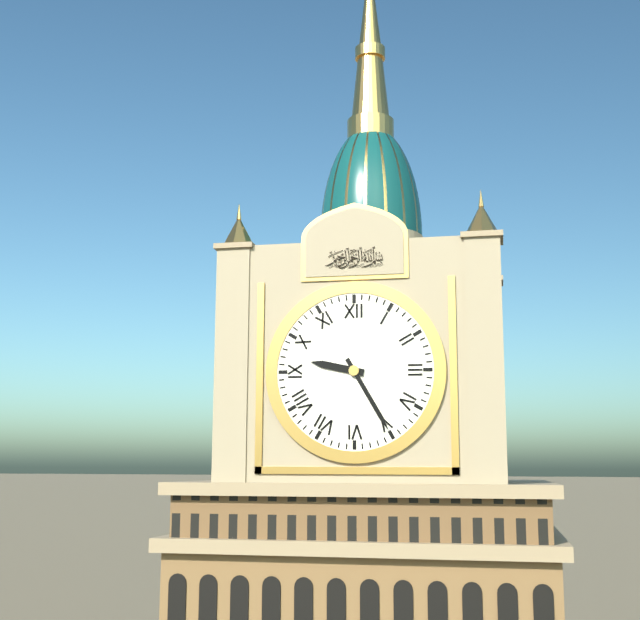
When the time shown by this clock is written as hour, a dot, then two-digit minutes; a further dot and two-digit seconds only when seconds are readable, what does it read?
9.25
